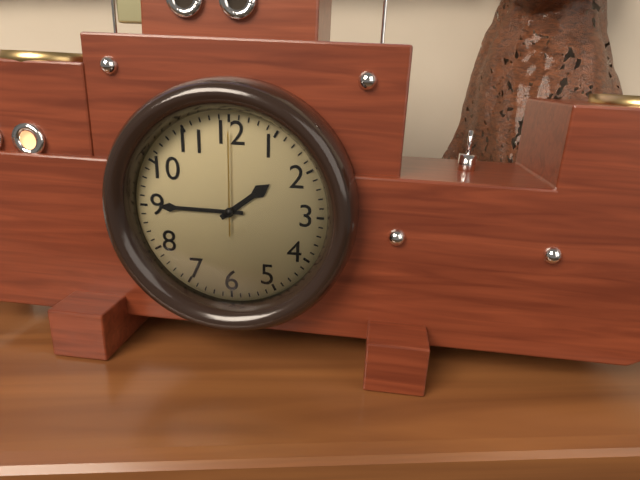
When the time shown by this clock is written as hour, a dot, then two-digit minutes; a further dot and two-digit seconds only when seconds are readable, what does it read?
1.45.00
